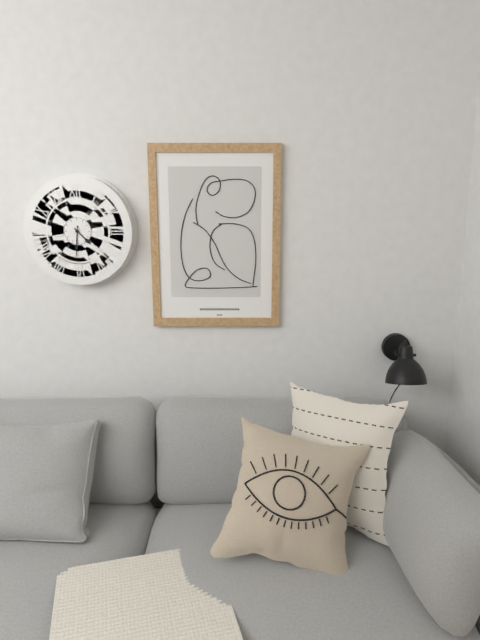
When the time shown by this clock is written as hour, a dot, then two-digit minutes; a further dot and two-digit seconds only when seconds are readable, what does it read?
4.31
